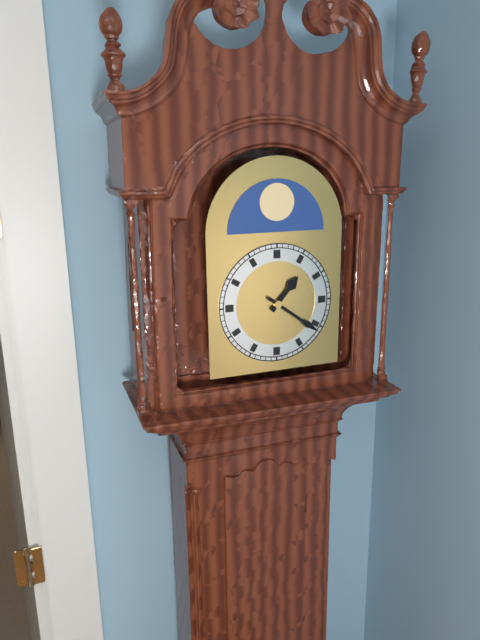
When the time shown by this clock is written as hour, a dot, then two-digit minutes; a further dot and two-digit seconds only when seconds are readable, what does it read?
1.21
